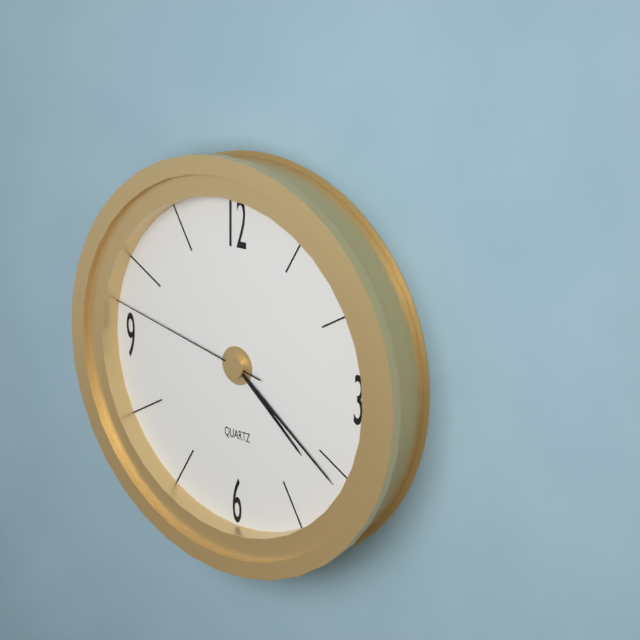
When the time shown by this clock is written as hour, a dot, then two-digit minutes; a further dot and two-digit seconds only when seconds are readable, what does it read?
4.21.47
